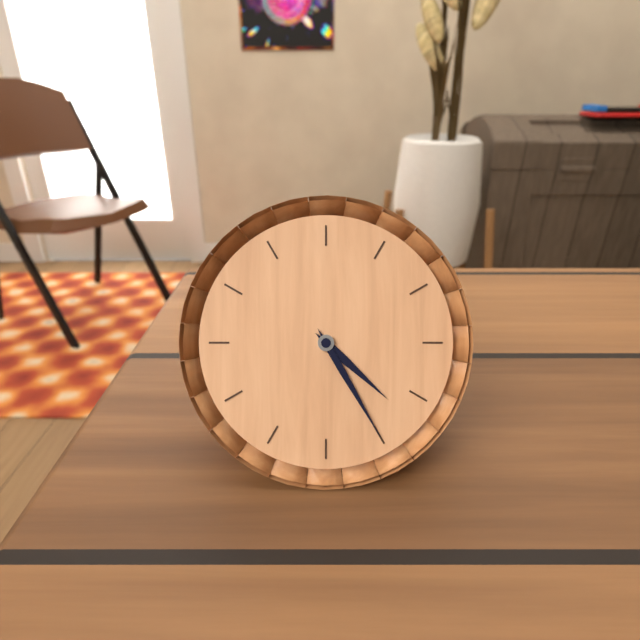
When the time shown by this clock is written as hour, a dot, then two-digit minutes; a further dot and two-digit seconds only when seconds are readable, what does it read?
4.25
